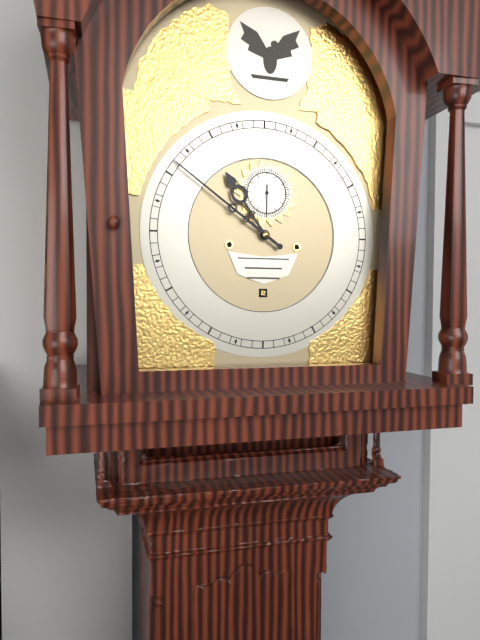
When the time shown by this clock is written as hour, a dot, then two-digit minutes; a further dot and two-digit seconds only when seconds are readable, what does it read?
10.51
